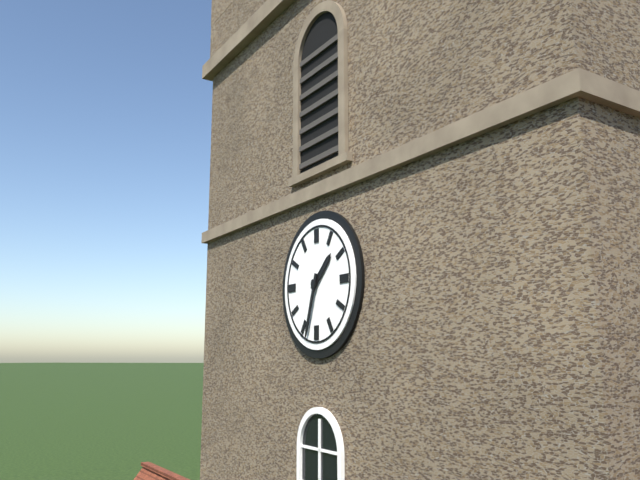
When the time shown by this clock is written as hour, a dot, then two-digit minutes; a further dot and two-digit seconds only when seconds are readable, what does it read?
1.33
